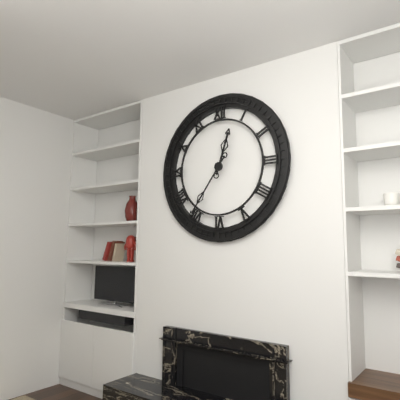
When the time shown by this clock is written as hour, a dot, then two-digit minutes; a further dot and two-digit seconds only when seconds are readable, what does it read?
12.36
